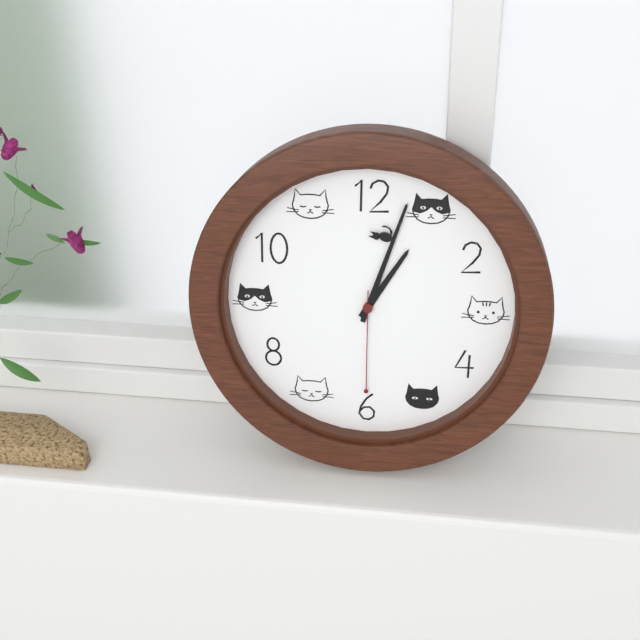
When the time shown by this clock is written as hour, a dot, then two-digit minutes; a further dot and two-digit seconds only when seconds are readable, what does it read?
1.03.30
